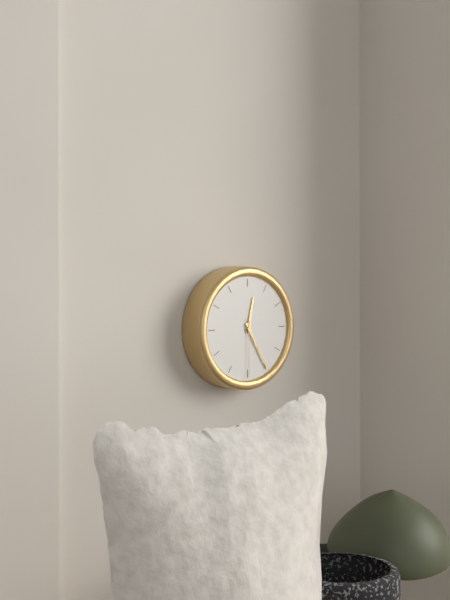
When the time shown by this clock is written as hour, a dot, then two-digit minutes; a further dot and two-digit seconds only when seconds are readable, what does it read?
12.25.30
